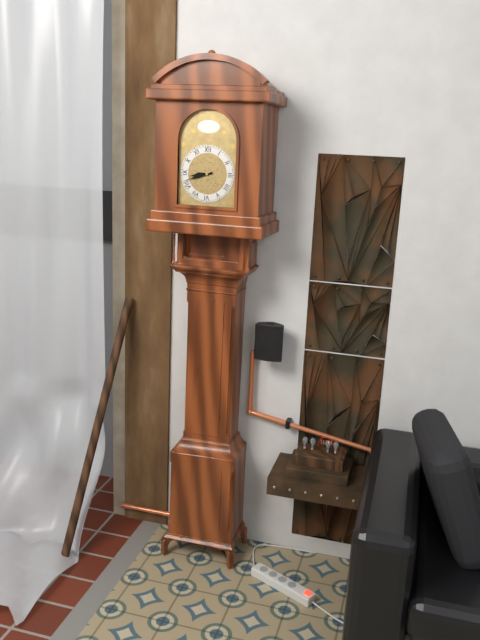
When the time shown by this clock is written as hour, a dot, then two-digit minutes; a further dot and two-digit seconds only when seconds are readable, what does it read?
8.42
